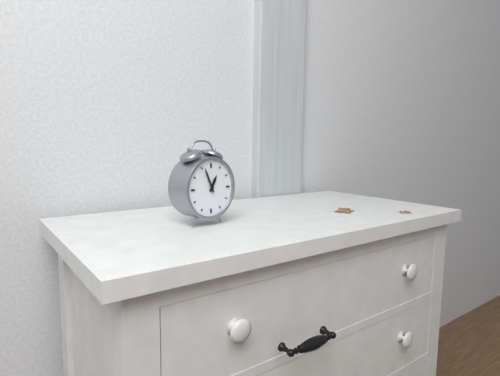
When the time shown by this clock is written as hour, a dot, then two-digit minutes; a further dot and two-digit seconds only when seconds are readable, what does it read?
12.56
